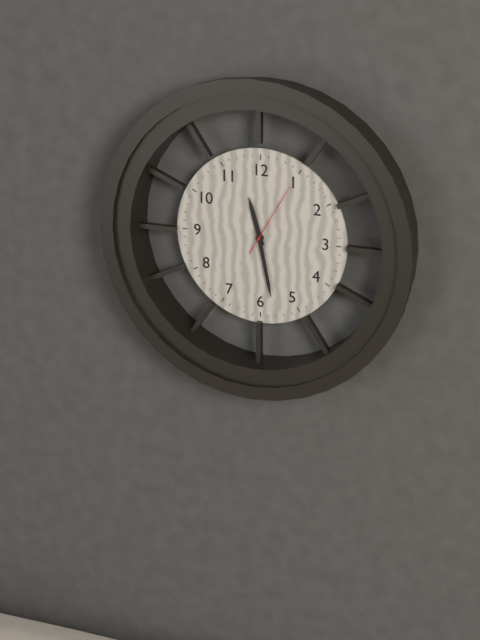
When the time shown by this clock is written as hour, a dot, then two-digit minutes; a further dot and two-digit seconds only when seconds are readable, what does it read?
11.28.05
